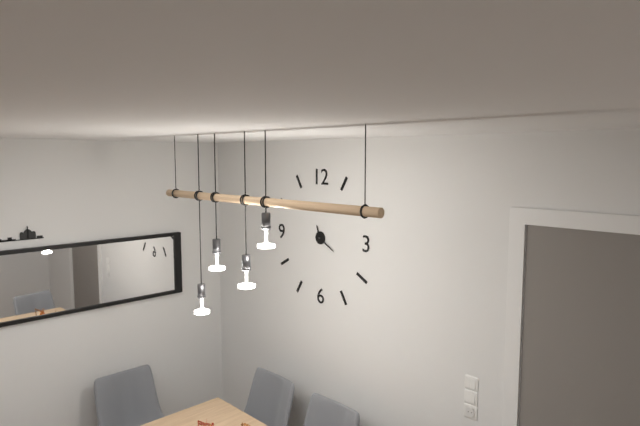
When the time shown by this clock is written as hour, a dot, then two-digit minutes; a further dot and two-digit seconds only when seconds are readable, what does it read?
11.20
